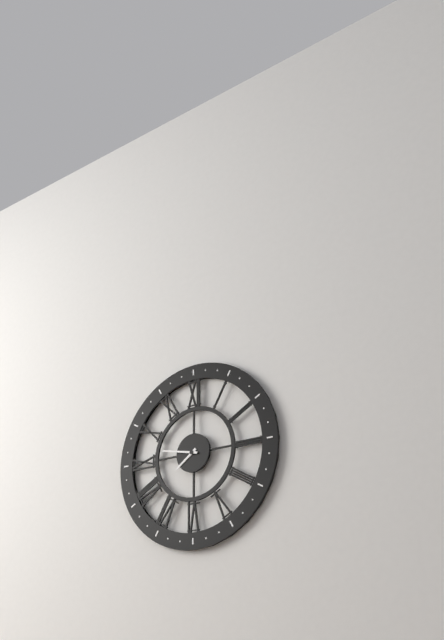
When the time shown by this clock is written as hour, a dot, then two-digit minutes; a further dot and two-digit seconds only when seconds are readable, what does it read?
7.47
